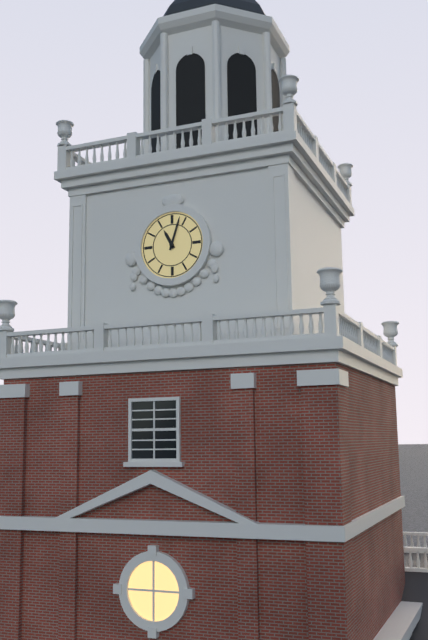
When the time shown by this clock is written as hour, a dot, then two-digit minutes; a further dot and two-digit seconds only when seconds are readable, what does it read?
11.03
